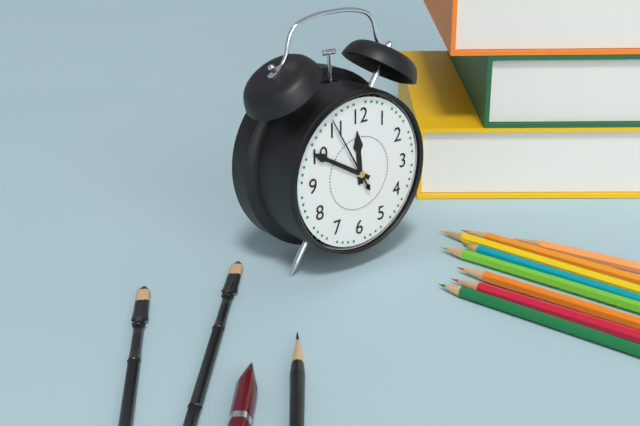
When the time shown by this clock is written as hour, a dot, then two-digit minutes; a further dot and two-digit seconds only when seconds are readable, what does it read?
11.50.55
